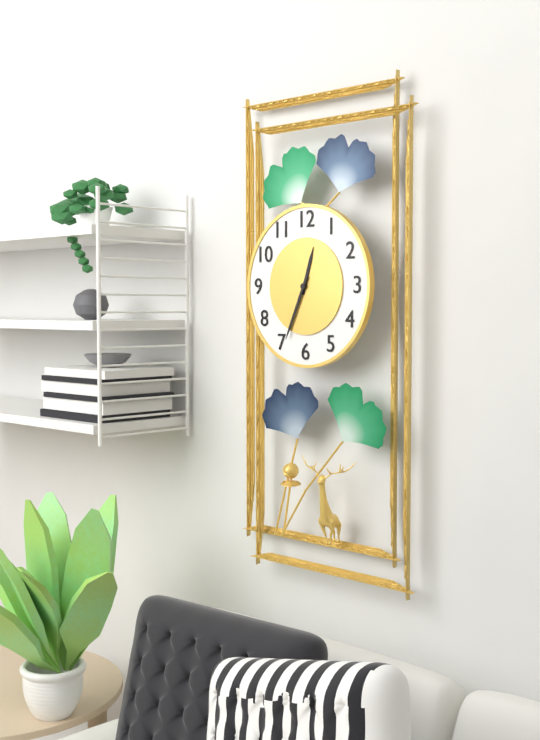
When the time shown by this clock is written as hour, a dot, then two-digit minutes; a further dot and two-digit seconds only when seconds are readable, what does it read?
12.34
